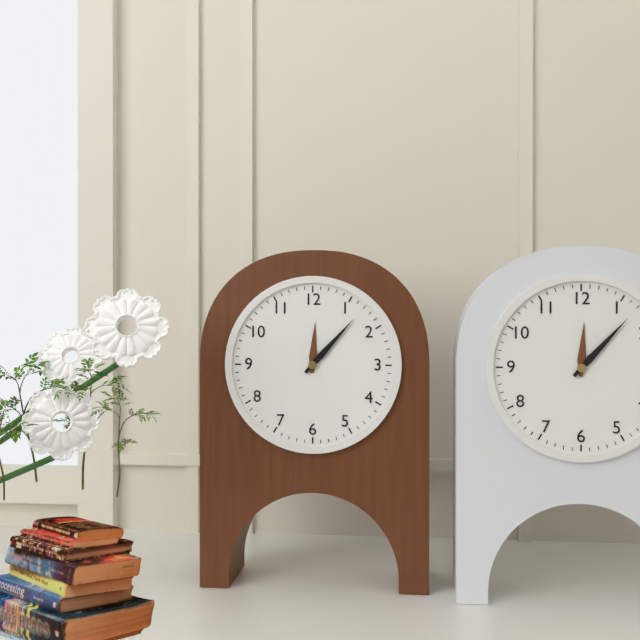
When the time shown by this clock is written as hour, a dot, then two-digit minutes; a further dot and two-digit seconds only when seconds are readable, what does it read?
12.07
